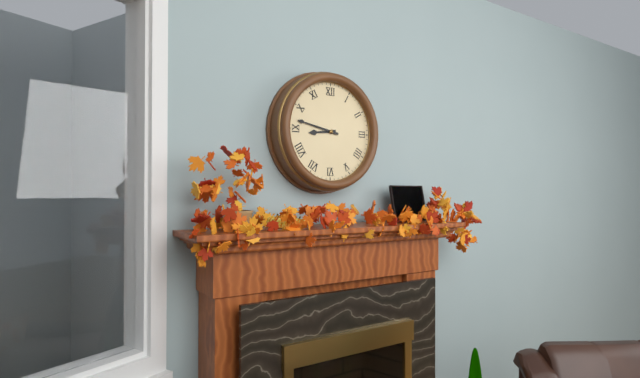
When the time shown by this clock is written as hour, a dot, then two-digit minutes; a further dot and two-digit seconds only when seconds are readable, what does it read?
8.47
